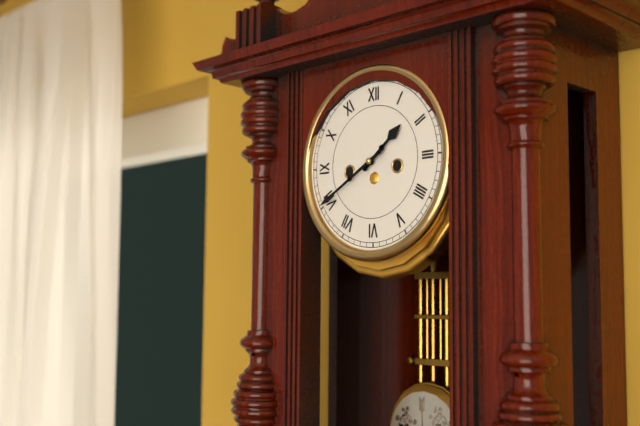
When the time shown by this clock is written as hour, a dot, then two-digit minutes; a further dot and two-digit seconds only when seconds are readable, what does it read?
1.40
